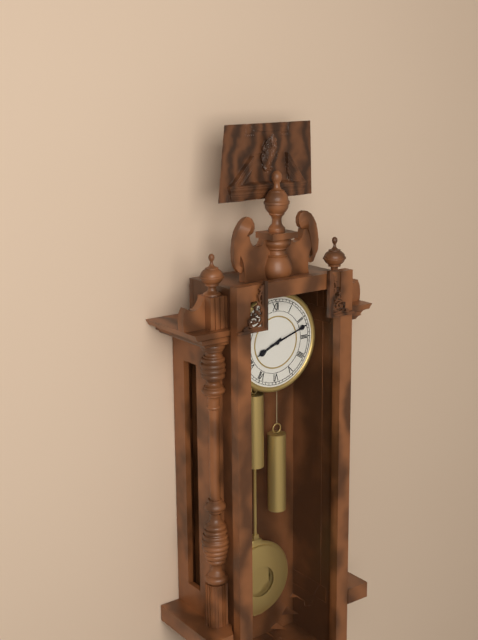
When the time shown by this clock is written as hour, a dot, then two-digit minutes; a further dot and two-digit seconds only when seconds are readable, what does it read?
8.12
